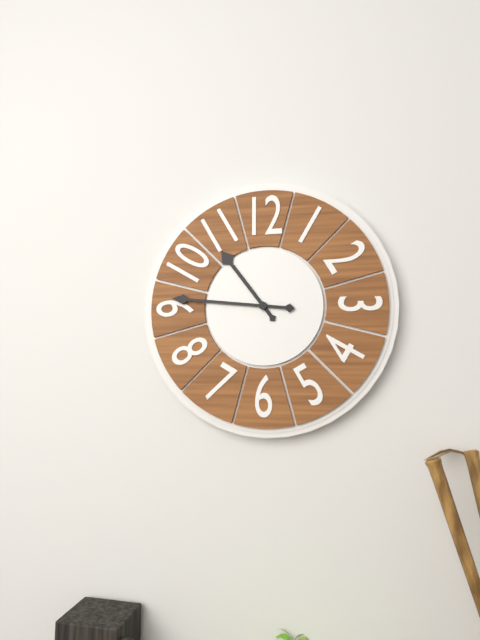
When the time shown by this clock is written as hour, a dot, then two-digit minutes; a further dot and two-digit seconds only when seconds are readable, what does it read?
10.46
